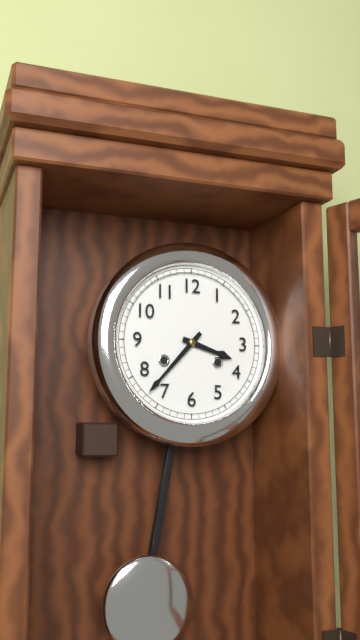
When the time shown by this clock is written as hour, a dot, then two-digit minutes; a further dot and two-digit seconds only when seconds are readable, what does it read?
3.37
